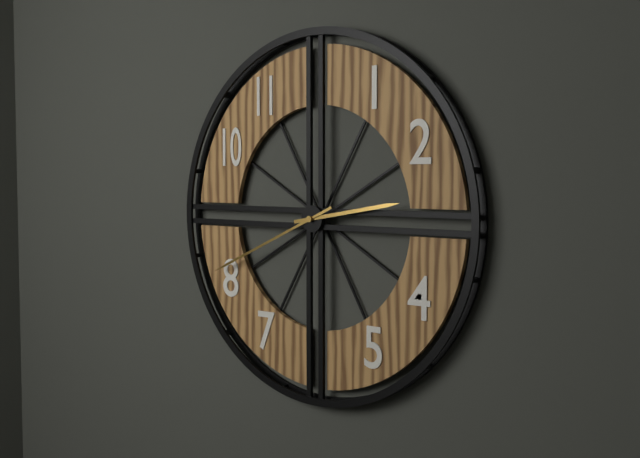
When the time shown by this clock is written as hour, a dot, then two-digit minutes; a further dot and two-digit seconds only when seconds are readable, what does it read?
2.41
